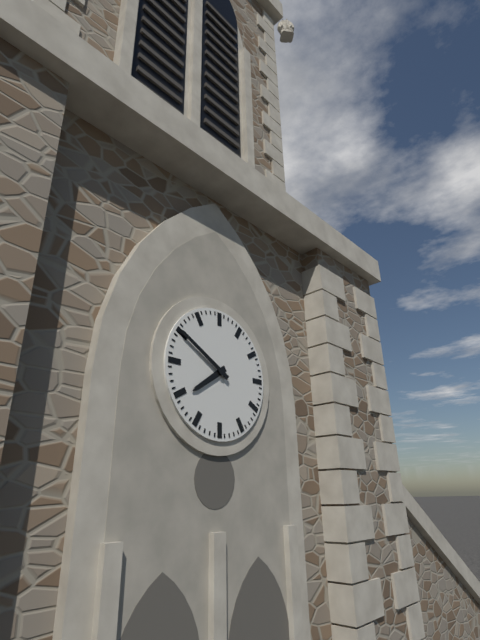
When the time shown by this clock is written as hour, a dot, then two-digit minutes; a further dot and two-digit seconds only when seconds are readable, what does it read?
7.50
